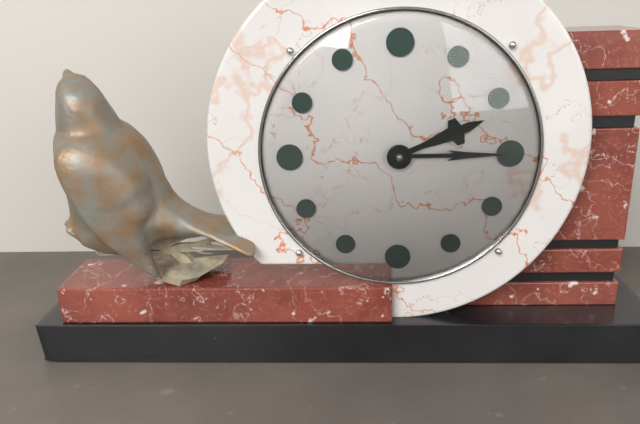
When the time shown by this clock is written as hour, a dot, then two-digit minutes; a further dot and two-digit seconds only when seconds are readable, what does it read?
2.15
